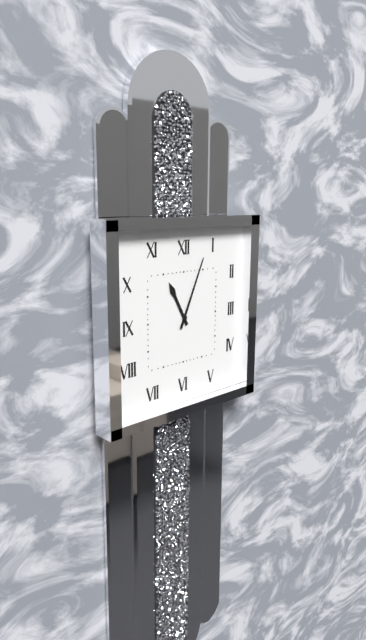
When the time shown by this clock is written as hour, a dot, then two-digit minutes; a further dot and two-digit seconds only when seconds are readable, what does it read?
11.04
